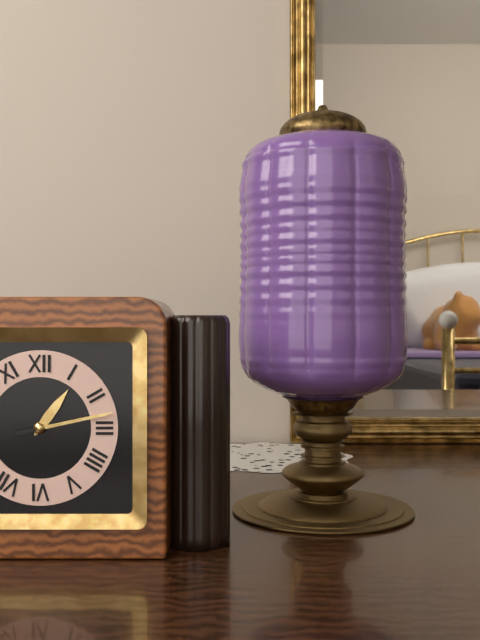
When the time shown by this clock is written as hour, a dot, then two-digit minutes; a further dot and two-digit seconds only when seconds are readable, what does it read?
1.13
